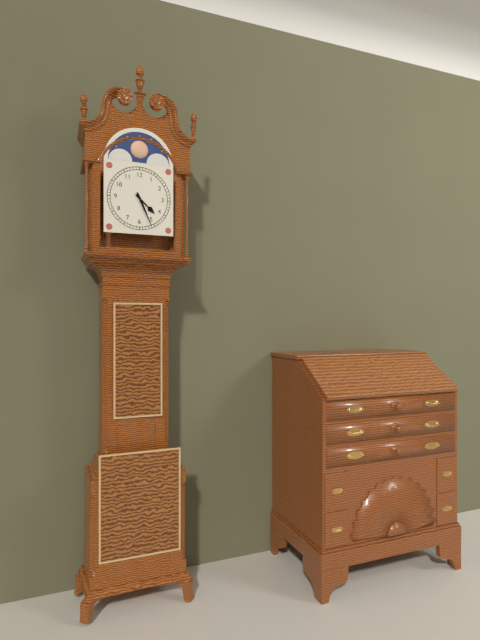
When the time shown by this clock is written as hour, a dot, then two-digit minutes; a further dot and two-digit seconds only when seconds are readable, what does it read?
4.26
